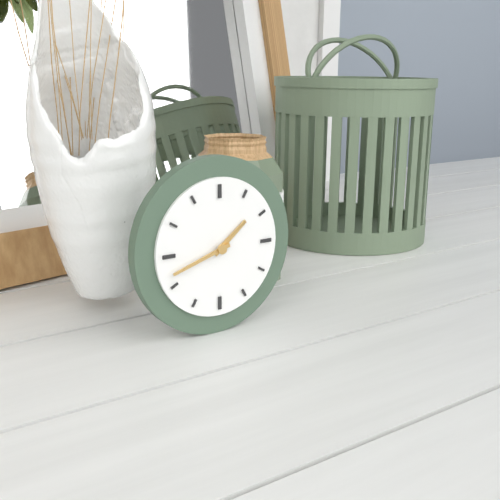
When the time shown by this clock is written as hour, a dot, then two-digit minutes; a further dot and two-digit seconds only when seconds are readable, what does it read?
1.42
